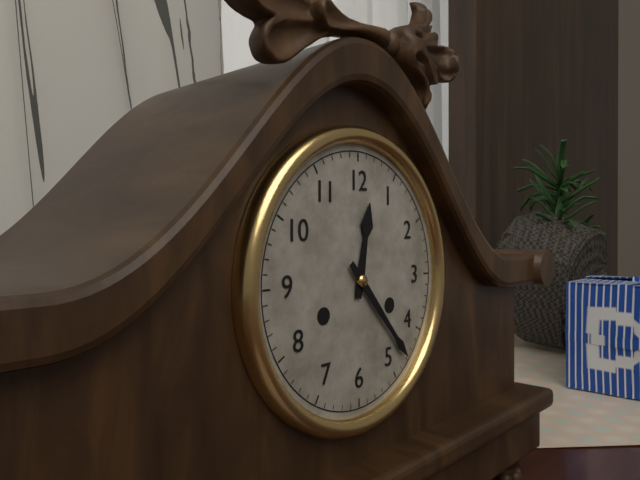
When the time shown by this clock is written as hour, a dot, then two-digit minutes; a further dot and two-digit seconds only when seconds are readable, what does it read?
12.23
